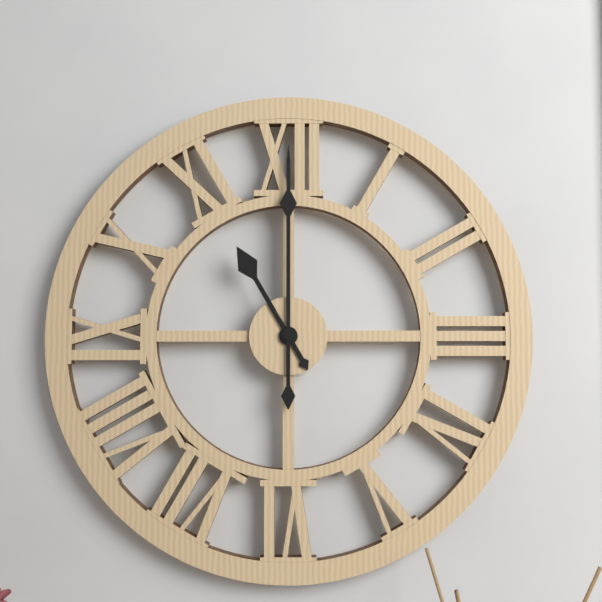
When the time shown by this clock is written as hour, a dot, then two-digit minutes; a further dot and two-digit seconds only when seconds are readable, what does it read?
11.00
